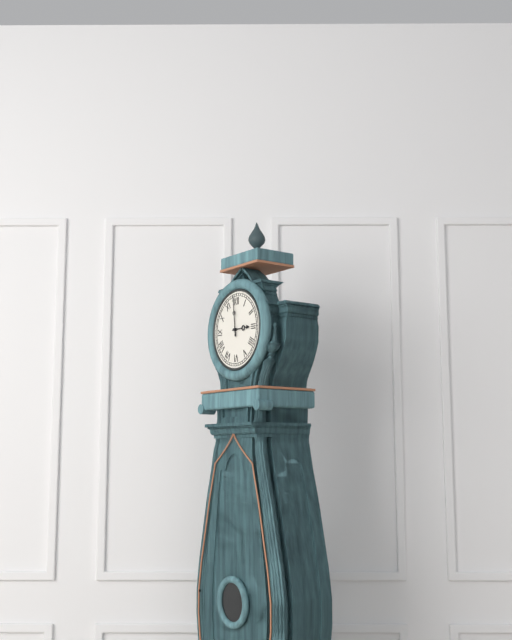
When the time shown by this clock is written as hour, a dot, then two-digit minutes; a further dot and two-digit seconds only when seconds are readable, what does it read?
2.59
